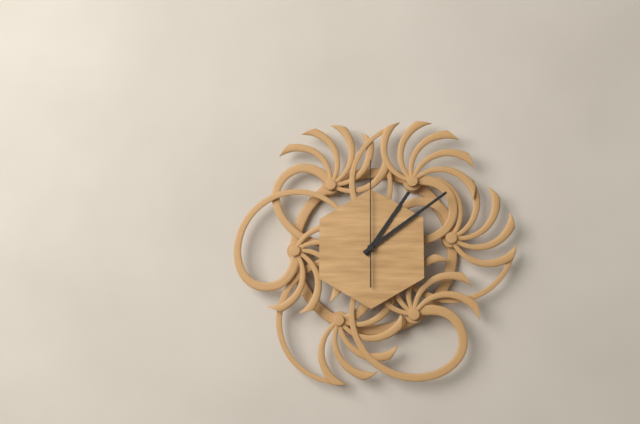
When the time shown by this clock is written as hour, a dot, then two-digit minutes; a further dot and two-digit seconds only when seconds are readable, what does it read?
1.09.00
